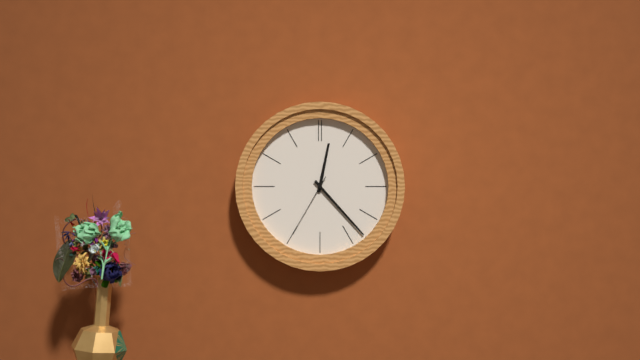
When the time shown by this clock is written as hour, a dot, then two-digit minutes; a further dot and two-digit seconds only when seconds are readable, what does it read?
12.23.35
